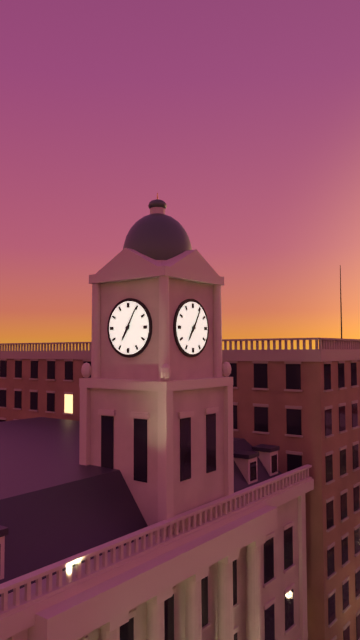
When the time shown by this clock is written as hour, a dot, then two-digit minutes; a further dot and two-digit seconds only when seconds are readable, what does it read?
7.05
